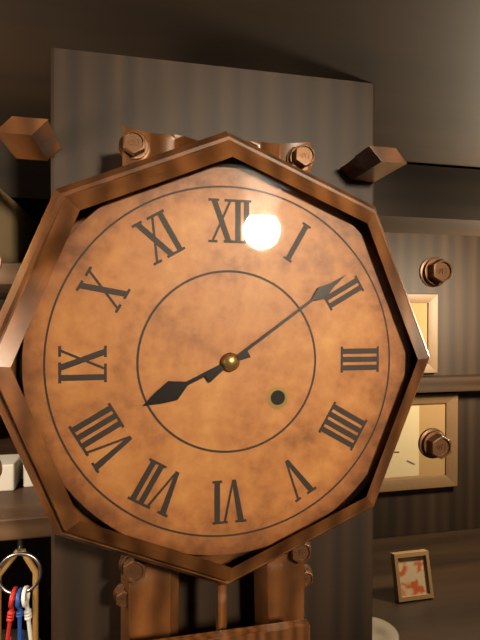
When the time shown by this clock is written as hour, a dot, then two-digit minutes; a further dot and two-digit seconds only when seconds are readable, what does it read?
8.09
